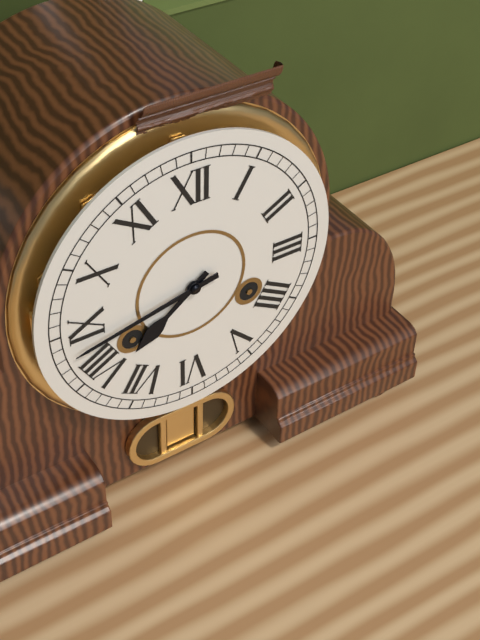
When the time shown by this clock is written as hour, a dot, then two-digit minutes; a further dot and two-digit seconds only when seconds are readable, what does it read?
7.43
